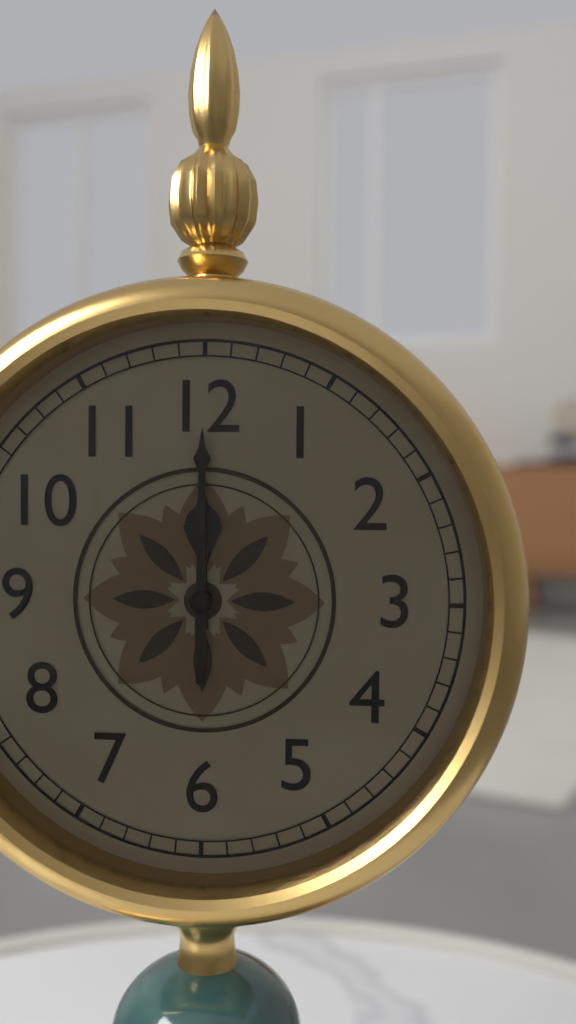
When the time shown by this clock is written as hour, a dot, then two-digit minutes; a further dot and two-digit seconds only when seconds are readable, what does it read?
12.00
